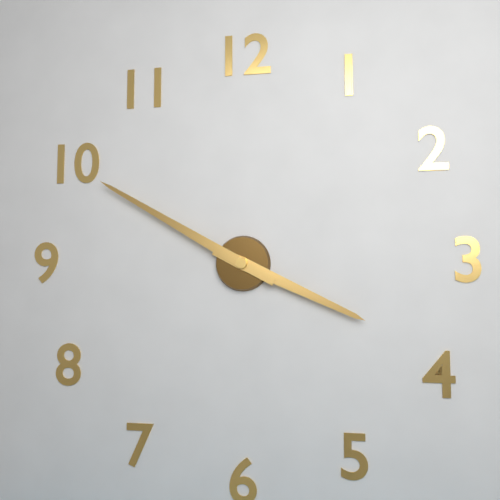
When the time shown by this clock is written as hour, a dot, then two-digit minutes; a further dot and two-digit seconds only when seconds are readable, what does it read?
3.50
